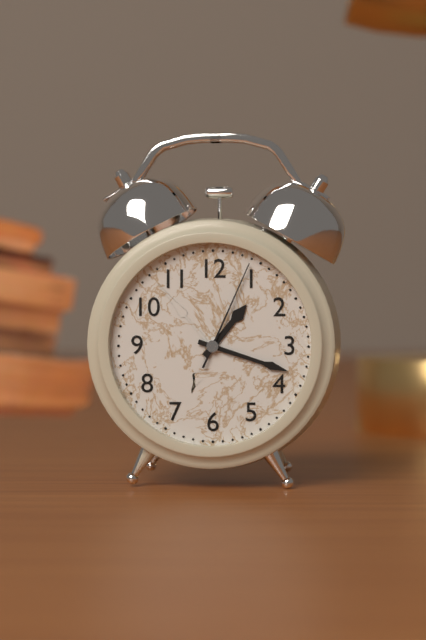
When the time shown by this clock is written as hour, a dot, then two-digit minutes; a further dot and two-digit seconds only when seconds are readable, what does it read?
1.18.04
